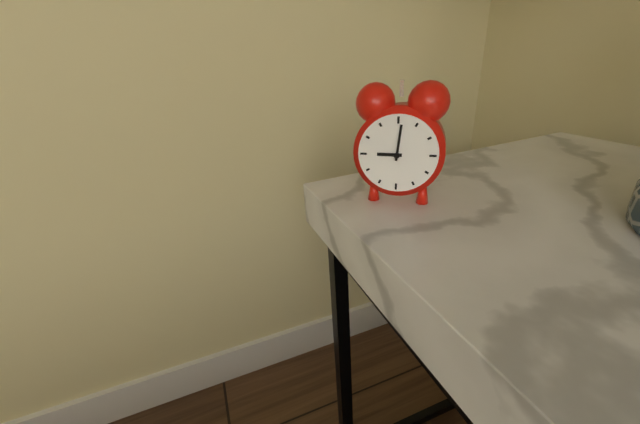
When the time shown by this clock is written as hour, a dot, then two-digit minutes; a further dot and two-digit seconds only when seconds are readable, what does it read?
9.01
